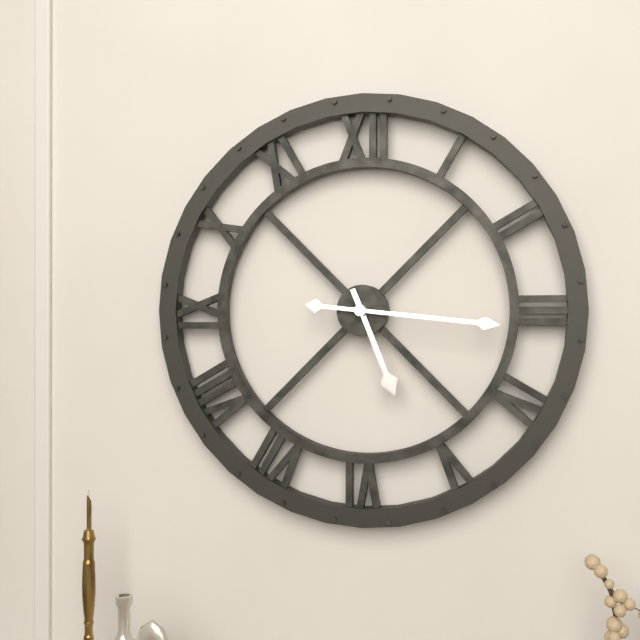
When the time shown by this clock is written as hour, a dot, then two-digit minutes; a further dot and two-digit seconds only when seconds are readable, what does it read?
5.16
